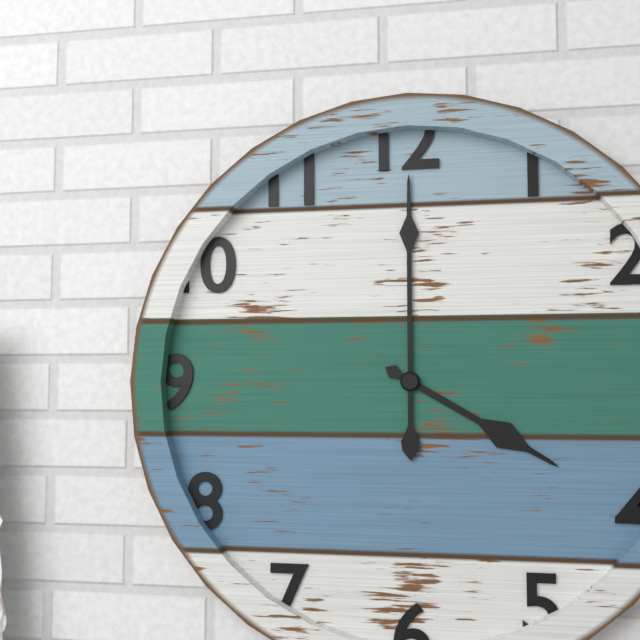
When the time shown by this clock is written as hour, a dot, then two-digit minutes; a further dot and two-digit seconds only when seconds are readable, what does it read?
4.00
